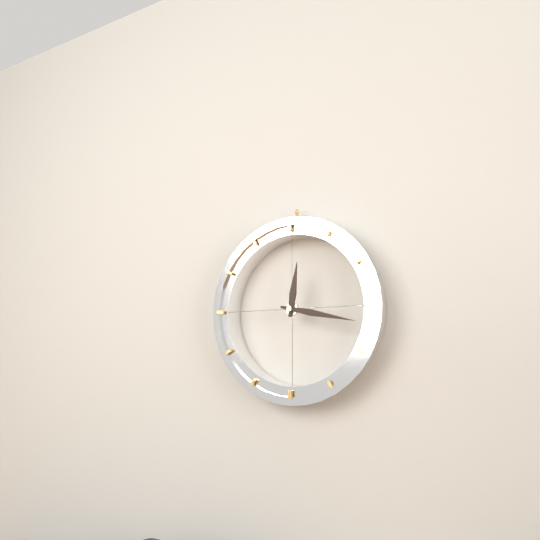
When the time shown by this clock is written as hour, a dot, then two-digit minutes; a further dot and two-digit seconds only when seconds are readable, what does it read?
12.17
